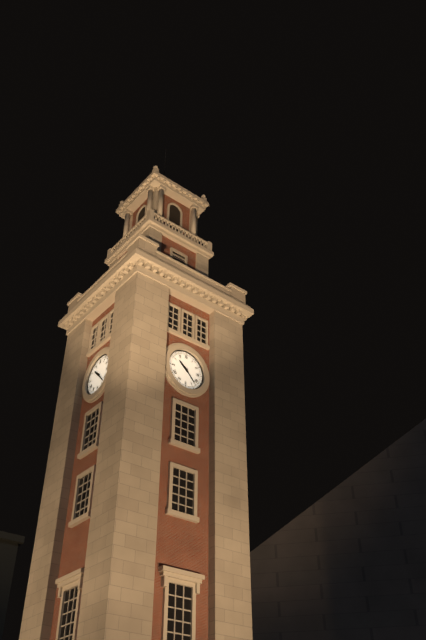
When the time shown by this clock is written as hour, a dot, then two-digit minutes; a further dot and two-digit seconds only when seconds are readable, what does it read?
10.23
